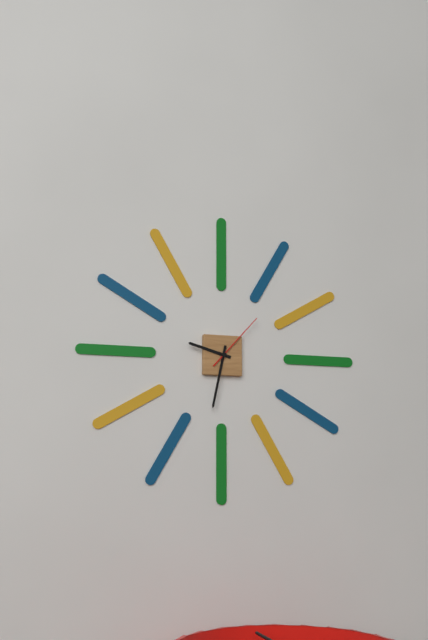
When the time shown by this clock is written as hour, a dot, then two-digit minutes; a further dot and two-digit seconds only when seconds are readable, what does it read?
9.32.07
